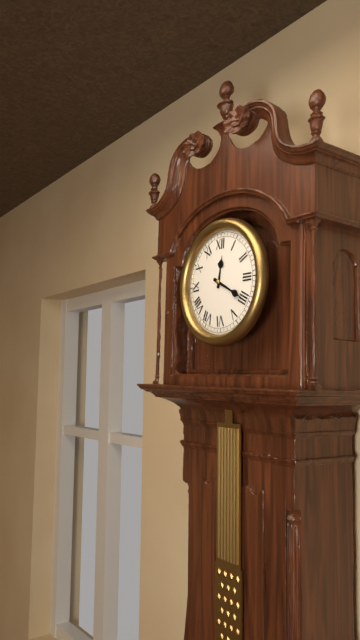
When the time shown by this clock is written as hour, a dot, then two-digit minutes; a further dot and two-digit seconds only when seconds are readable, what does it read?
12.20
